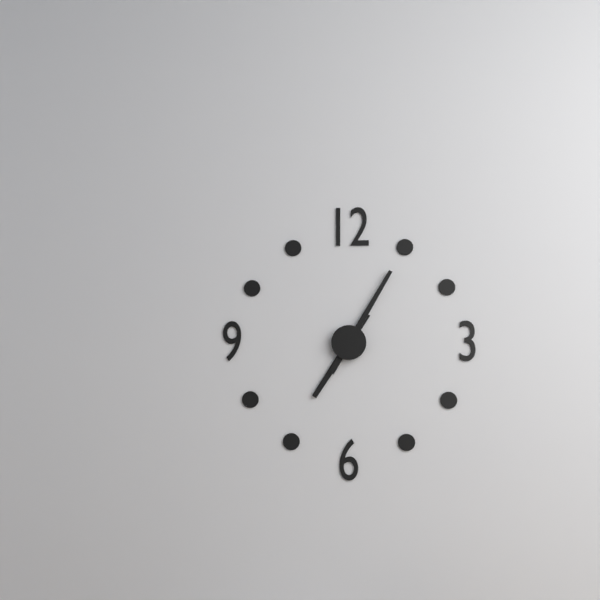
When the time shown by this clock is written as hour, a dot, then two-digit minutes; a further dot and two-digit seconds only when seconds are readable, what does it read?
7.05
